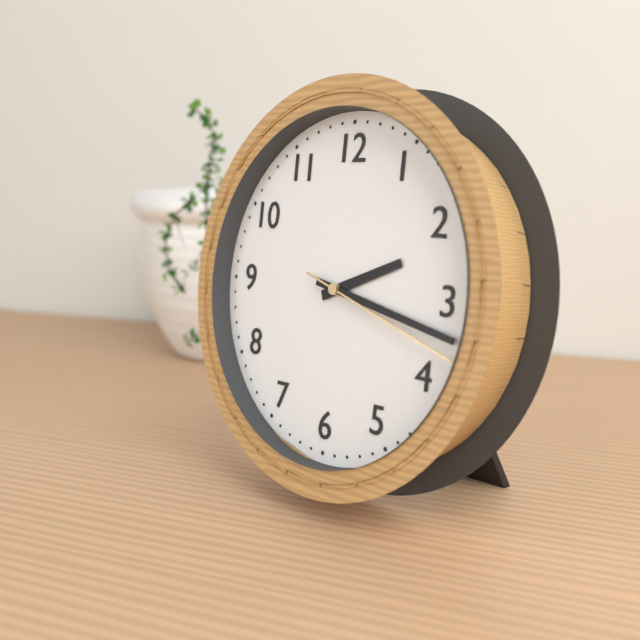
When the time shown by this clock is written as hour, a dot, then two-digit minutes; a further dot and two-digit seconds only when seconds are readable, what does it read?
2.17.18
